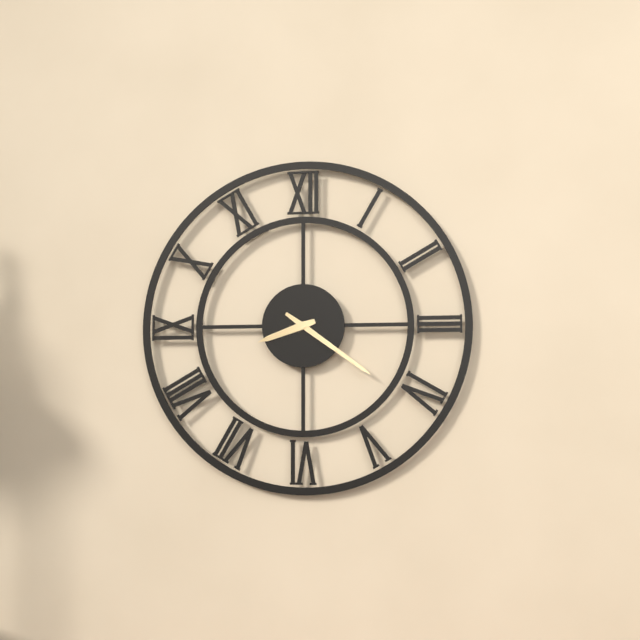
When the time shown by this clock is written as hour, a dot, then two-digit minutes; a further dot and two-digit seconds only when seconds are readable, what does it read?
8.21
